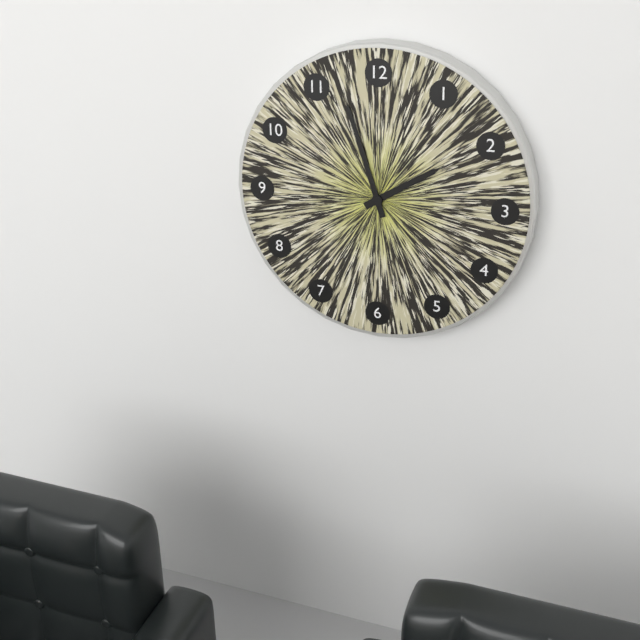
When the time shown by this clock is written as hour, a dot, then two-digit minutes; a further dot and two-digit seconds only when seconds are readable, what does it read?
1.57
